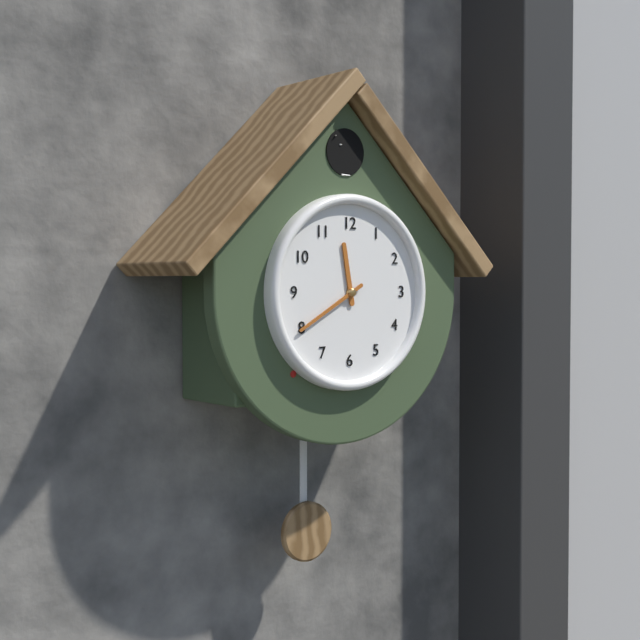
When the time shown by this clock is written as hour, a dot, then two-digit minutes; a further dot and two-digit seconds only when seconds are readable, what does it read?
11.40
